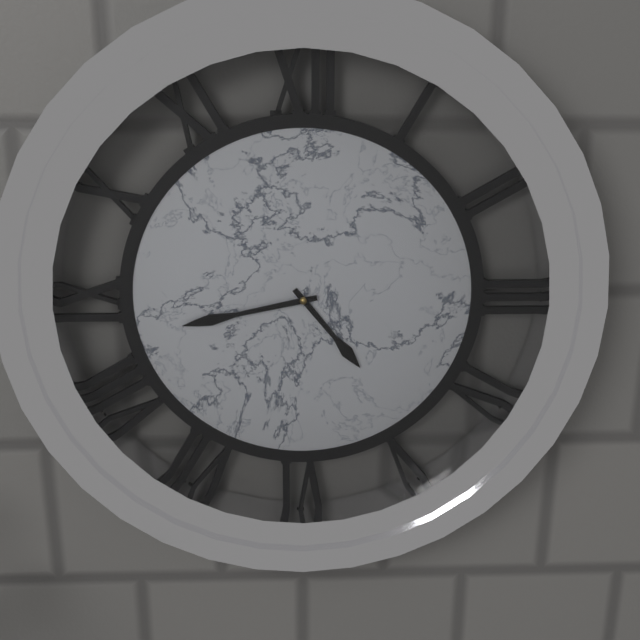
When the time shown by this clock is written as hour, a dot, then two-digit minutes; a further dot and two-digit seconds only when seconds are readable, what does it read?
4.43
